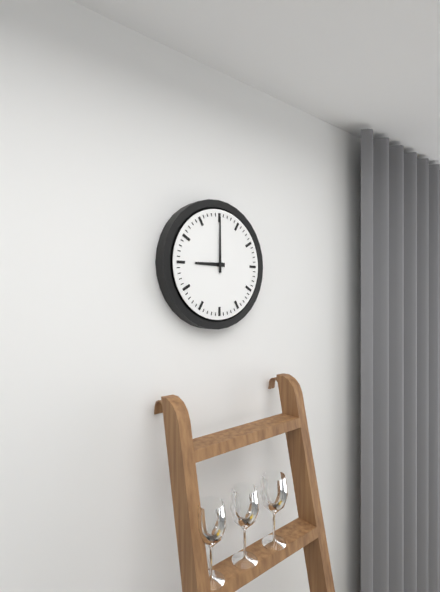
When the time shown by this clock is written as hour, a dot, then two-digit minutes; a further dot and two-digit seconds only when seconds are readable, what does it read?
9.00
